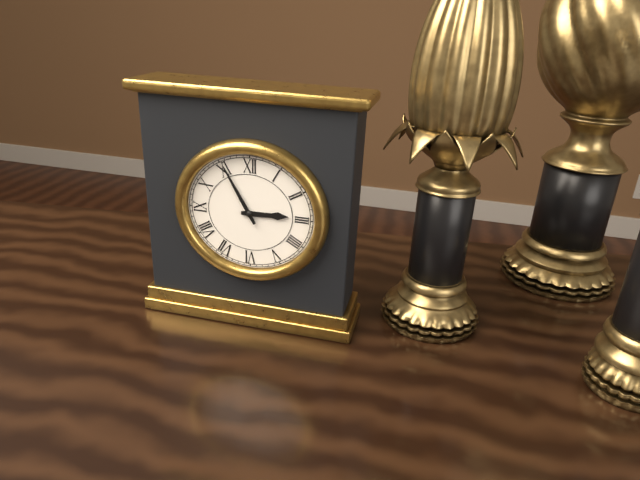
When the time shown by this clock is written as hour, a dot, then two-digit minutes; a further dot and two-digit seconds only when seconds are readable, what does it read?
2.55
